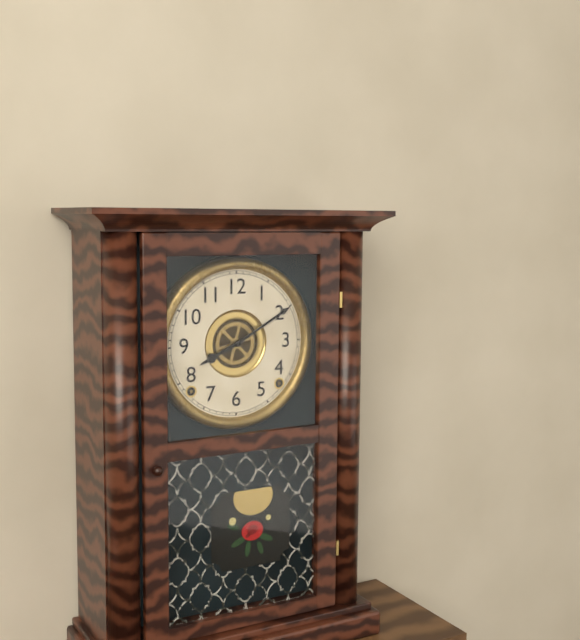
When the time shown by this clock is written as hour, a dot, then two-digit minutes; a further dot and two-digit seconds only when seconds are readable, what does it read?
8.10
